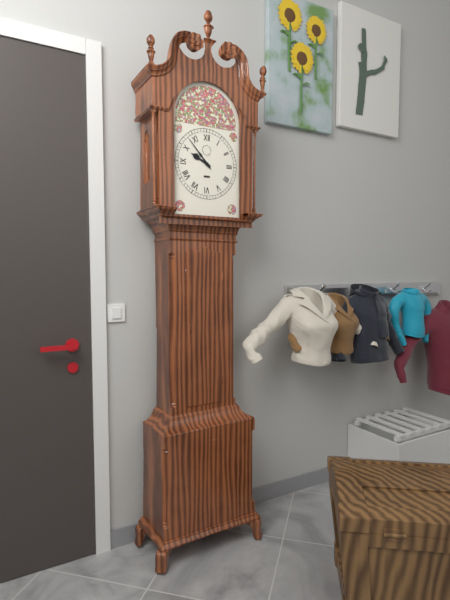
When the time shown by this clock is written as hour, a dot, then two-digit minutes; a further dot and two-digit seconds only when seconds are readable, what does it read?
9.53
